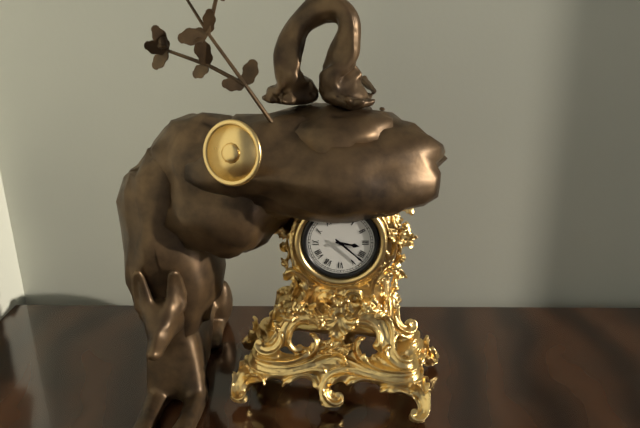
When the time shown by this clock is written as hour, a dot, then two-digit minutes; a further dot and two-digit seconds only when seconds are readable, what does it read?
3.22
